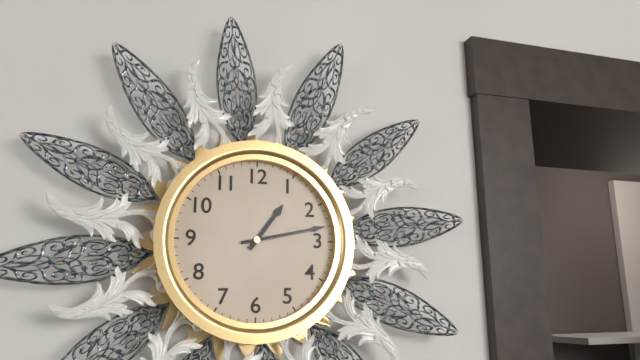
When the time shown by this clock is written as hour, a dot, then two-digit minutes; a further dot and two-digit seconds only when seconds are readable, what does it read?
1.13
